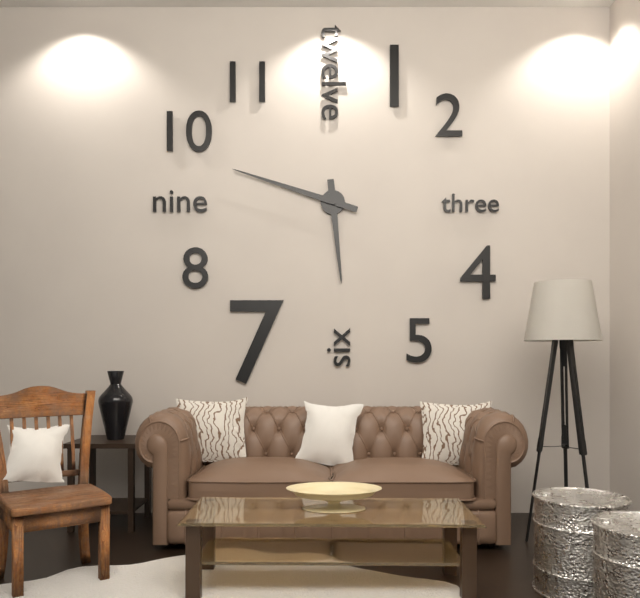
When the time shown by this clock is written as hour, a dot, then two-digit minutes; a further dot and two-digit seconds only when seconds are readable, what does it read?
5.48
